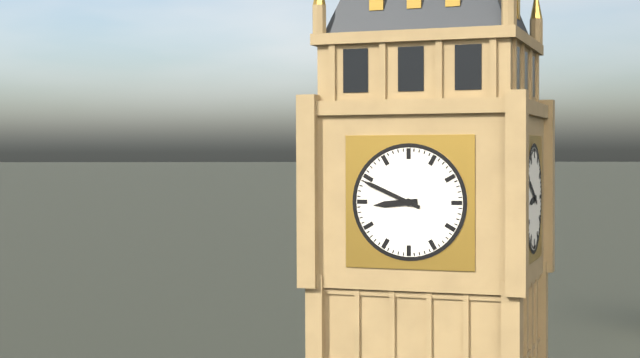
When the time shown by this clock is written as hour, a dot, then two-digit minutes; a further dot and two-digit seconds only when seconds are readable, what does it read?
8.49
